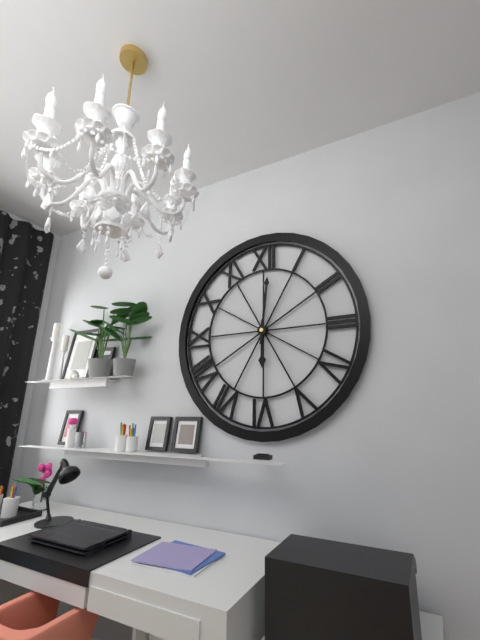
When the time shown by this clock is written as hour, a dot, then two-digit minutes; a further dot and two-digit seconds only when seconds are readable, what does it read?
6.01
